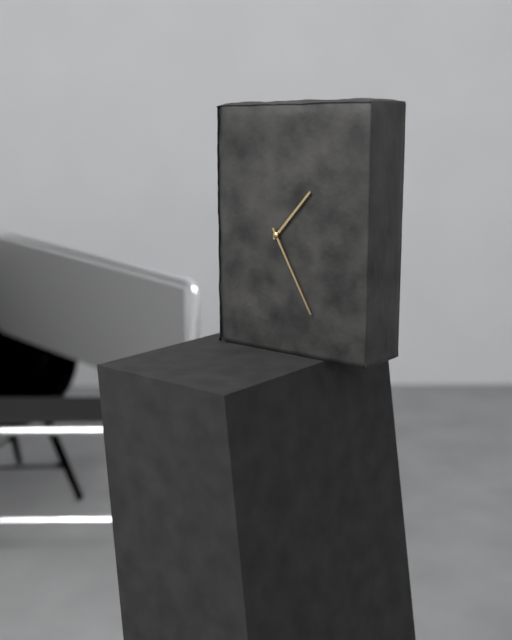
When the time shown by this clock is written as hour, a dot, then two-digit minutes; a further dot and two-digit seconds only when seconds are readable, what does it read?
1.25
